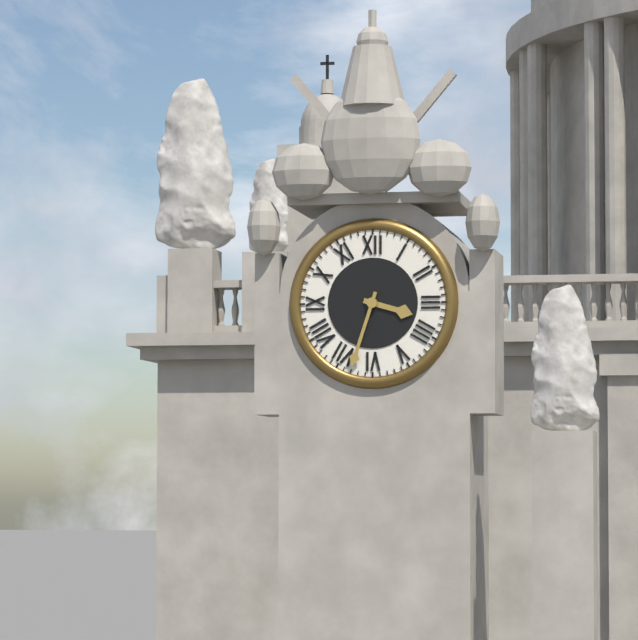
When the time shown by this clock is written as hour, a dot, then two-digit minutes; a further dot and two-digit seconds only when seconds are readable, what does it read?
3.33
